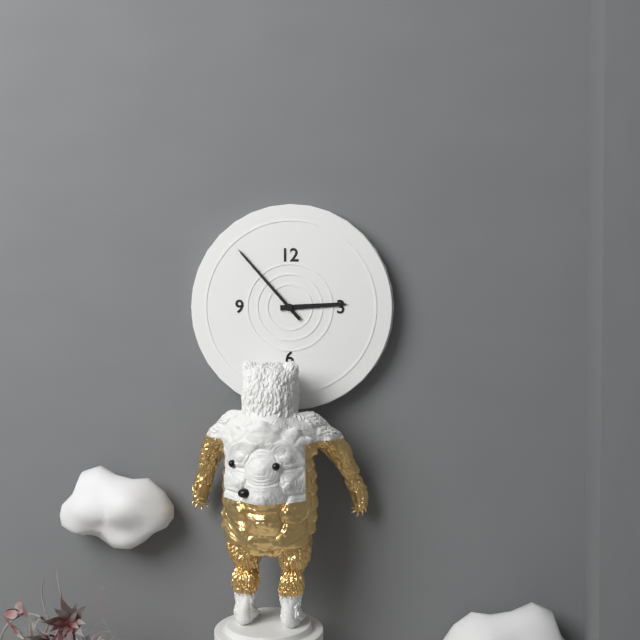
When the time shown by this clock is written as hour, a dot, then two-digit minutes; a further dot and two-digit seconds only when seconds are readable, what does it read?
2.53
